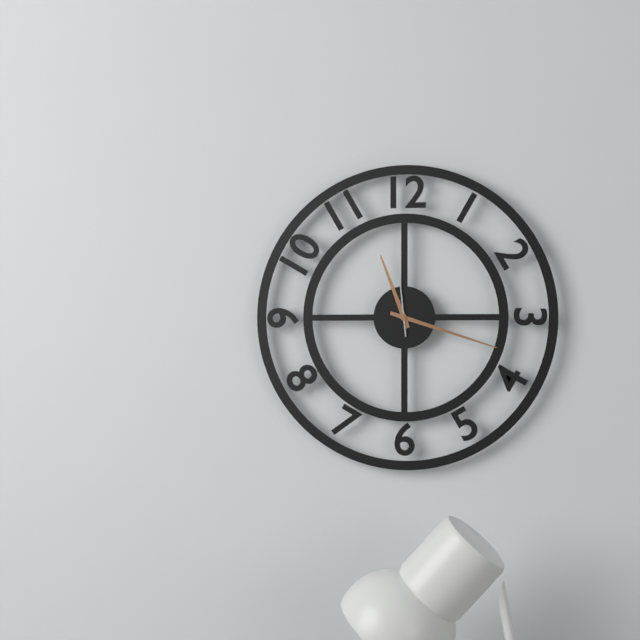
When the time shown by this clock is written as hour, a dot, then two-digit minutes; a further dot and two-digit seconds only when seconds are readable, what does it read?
11.18.59
